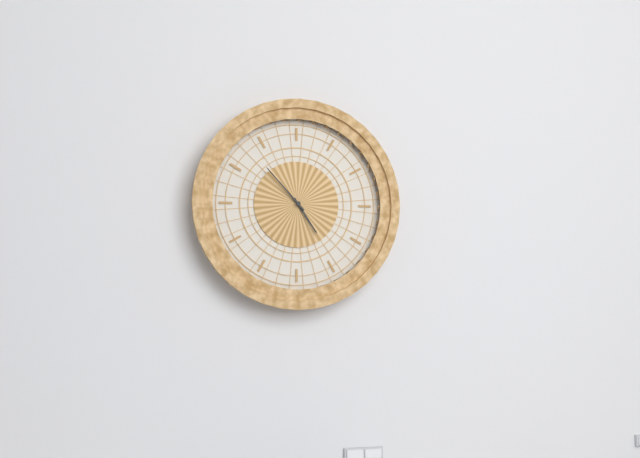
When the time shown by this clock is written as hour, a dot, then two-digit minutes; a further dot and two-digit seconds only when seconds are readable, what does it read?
4.53
